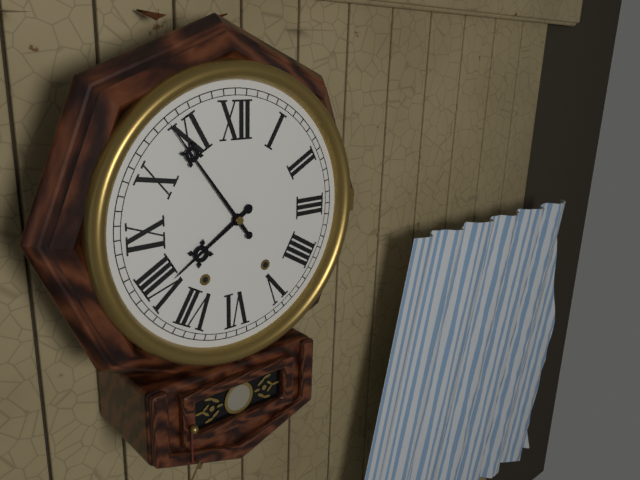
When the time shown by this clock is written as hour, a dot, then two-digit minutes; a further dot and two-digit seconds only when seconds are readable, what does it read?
7.54
